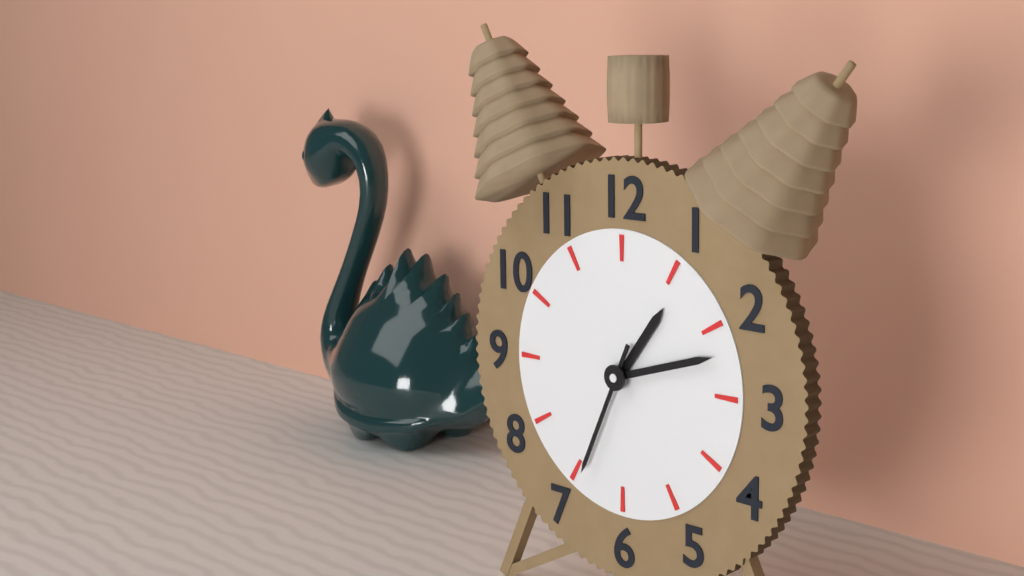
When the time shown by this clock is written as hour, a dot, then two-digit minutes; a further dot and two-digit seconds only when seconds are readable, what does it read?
1.12.34
